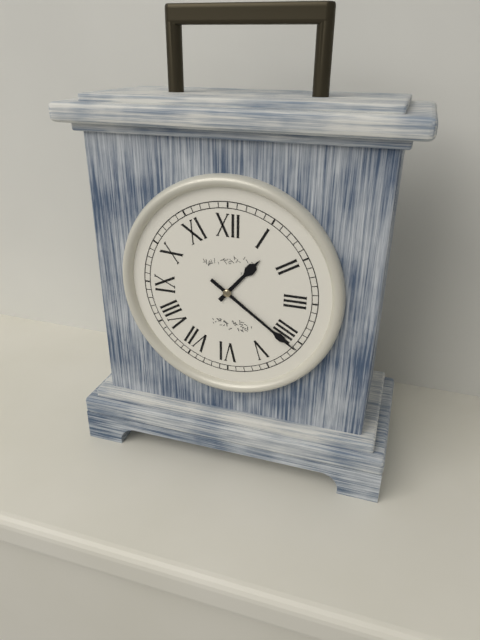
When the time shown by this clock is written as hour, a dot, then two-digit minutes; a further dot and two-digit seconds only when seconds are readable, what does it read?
1.21
